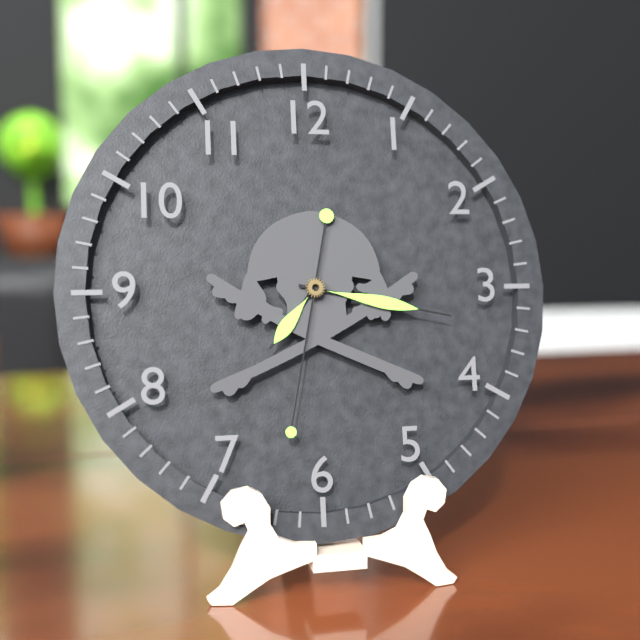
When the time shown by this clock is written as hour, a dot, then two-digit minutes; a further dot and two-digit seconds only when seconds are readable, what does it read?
7.17.32
